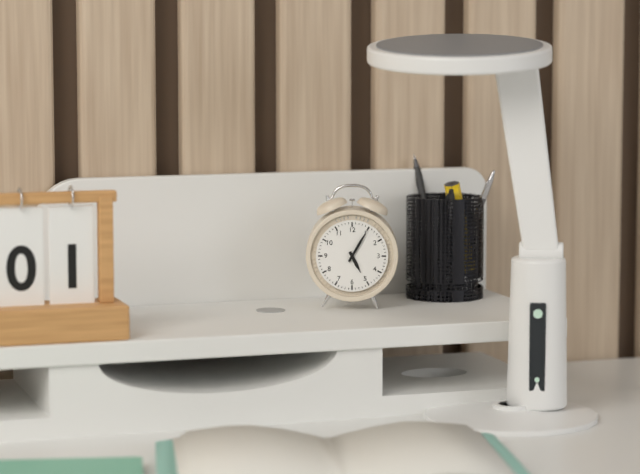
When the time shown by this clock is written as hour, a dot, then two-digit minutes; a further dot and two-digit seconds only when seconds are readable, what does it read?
5.05
